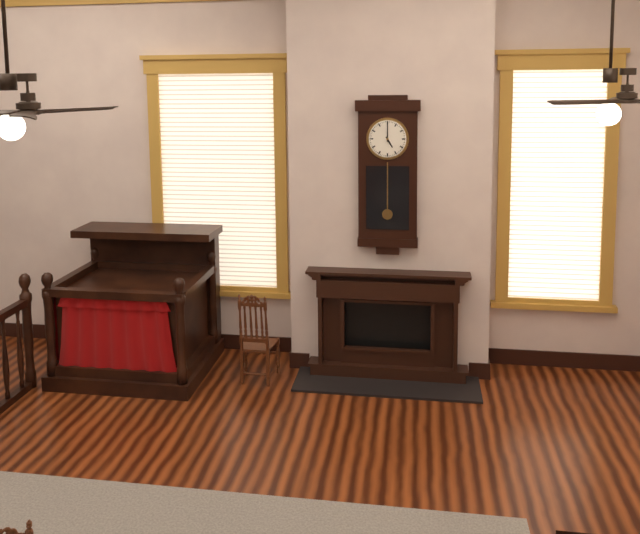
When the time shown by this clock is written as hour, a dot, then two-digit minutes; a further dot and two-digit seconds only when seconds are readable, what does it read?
5.00
